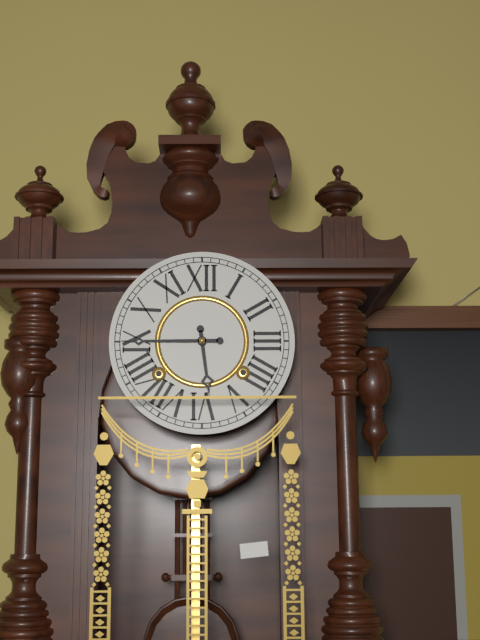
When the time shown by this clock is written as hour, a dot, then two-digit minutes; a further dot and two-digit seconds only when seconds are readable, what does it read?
5.45
